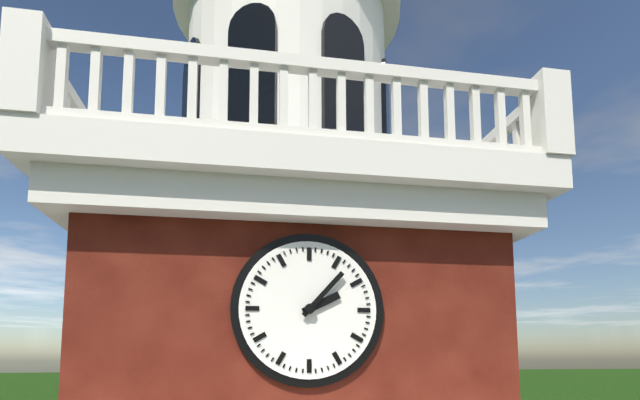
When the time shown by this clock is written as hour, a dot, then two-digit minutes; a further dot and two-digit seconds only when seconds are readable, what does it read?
2.07
